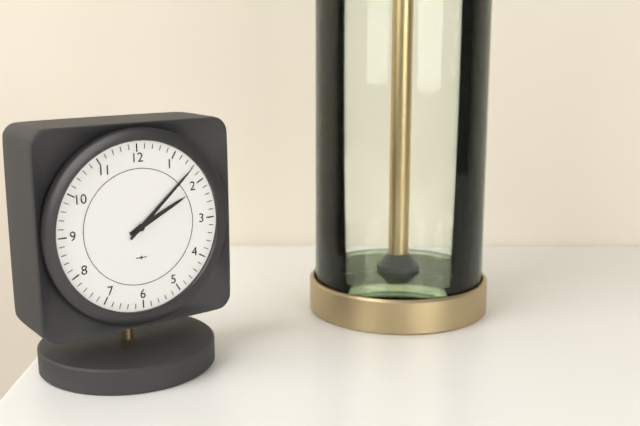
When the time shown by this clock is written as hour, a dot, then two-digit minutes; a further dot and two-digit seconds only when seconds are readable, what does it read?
2.08
